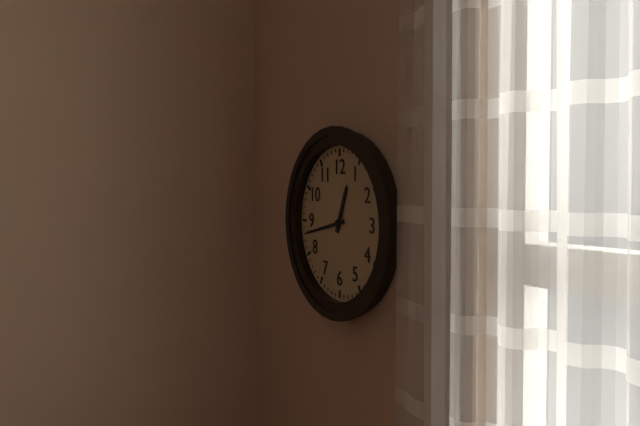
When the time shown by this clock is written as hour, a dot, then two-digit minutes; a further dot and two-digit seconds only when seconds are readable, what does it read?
12.43
